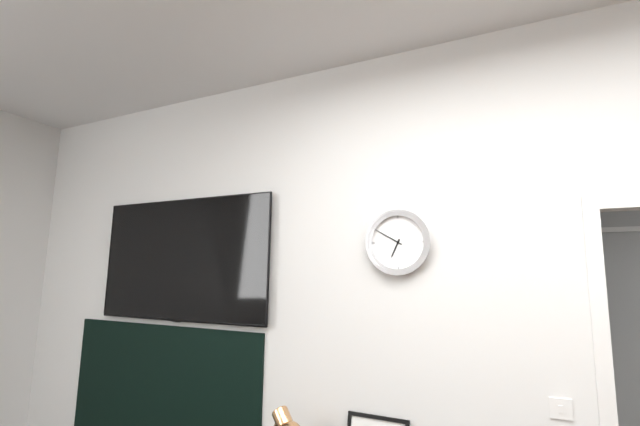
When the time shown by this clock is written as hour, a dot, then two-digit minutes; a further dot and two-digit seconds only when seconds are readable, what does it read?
6.50
